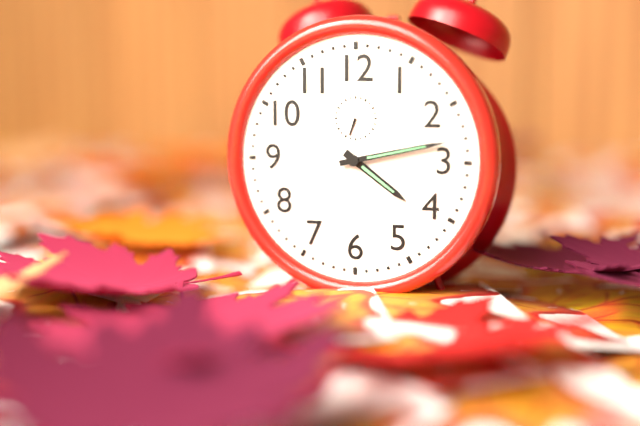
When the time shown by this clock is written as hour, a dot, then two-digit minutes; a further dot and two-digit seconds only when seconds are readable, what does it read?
4.13
